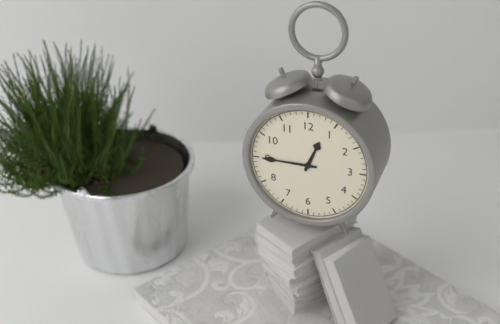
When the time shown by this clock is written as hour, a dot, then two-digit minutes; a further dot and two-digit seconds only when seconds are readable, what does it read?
12.45
